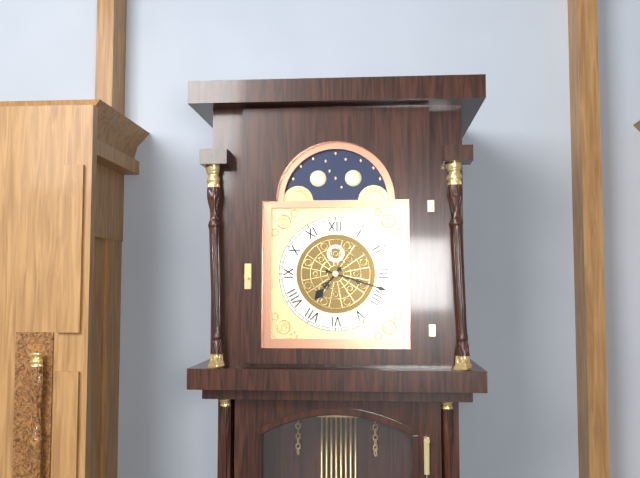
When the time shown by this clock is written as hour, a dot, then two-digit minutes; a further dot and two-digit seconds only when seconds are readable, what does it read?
7.18
